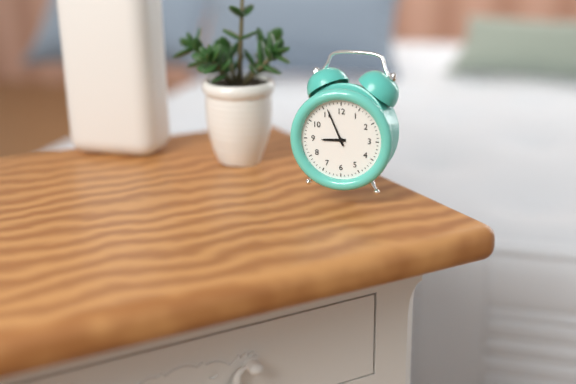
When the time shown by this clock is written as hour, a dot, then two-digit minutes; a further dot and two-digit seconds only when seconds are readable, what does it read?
8.56
